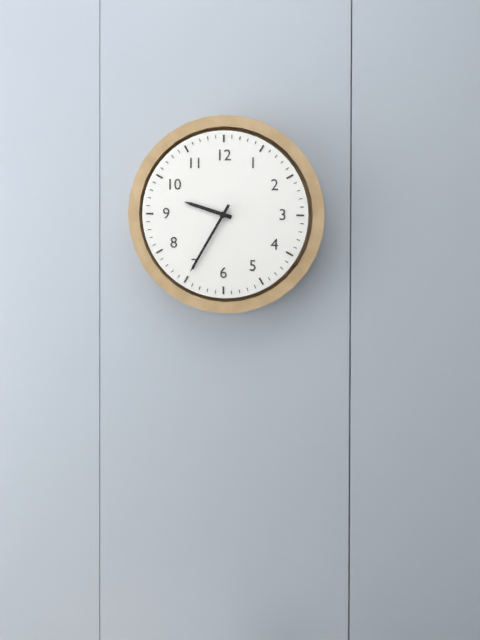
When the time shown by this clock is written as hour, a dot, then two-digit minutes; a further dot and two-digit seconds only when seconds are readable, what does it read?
9.35
